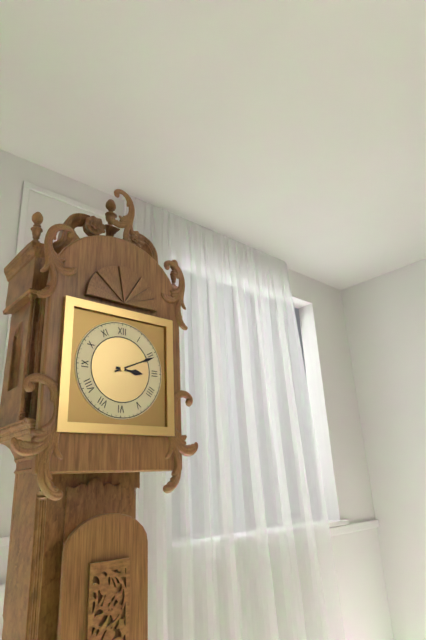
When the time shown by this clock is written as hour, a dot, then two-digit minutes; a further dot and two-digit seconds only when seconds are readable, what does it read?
3.11
